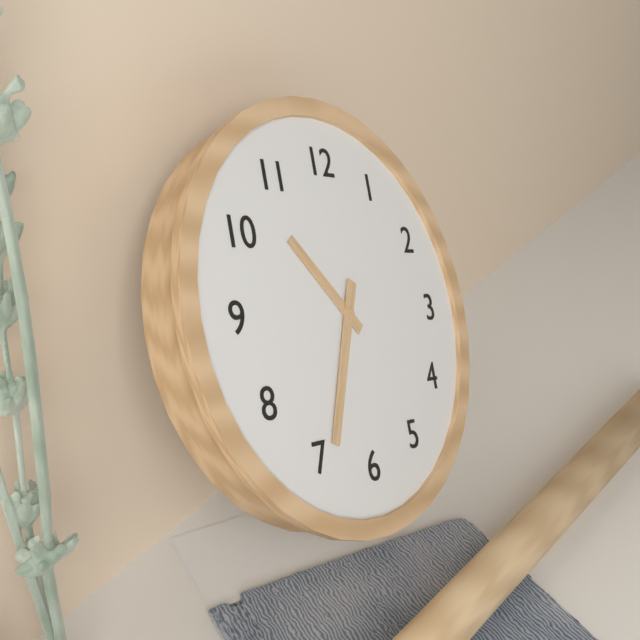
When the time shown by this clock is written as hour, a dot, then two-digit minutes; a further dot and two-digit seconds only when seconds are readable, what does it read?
10.34
